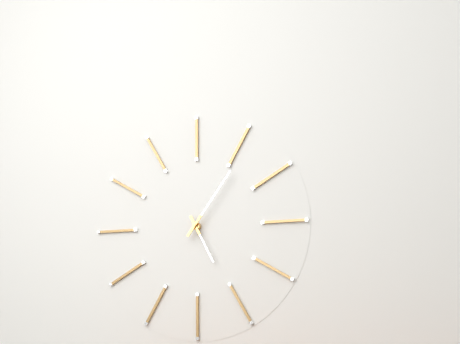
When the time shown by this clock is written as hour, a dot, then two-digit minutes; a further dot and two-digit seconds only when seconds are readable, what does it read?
5.06
